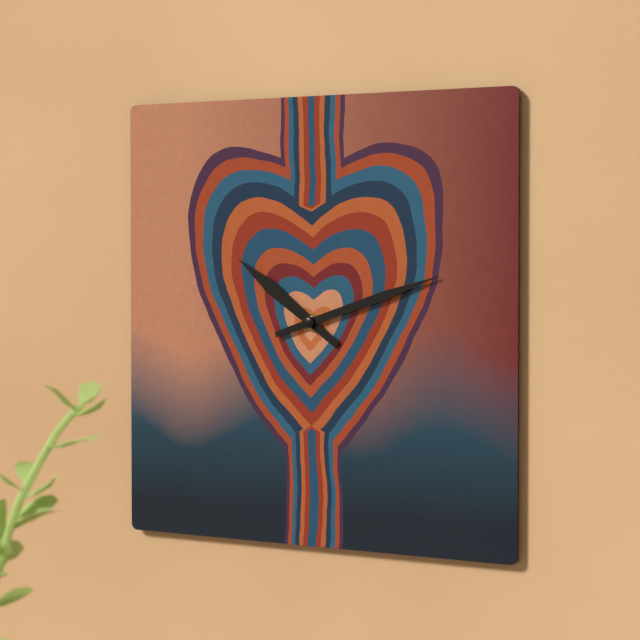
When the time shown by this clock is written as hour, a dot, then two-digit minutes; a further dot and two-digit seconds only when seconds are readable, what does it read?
10.12
